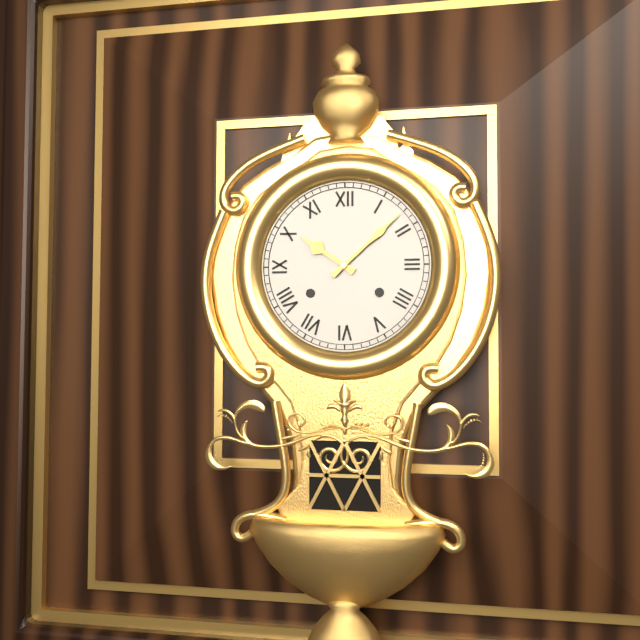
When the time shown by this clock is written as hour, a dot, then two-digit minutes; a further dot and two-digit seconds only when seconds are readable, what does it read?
10.08
